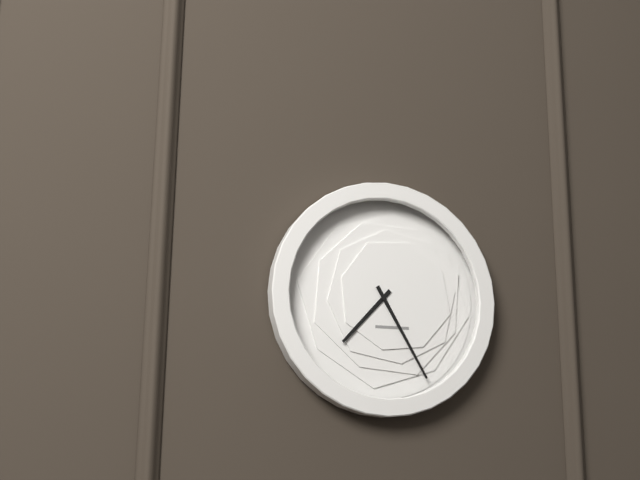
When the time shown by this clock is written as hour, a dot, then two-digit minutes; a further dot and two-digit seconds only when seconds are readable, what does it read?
7.25
